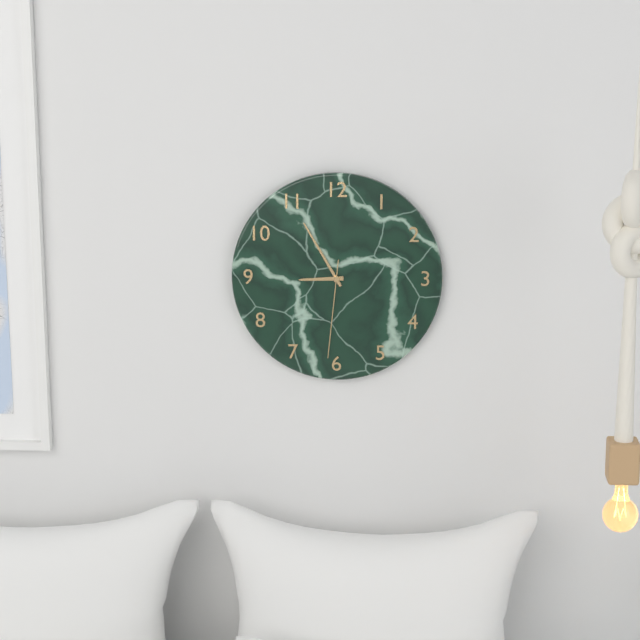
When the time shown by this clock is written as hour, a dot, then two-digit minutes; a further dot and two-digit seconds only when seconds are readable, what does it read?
8.55.31
